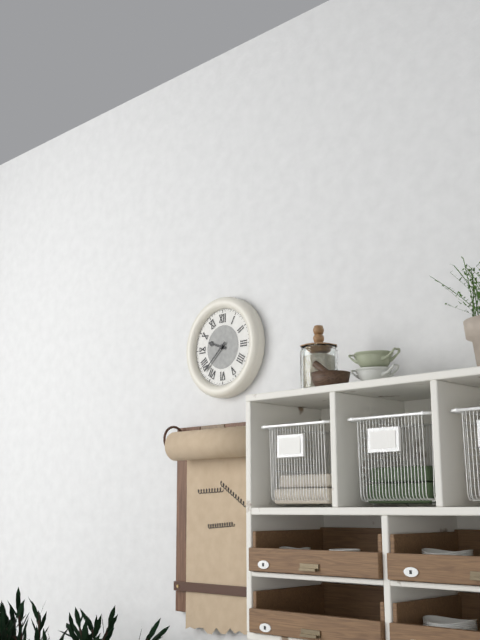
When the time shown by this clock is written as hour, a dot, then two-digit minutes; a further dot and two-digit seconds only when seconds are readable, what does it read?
9.38
